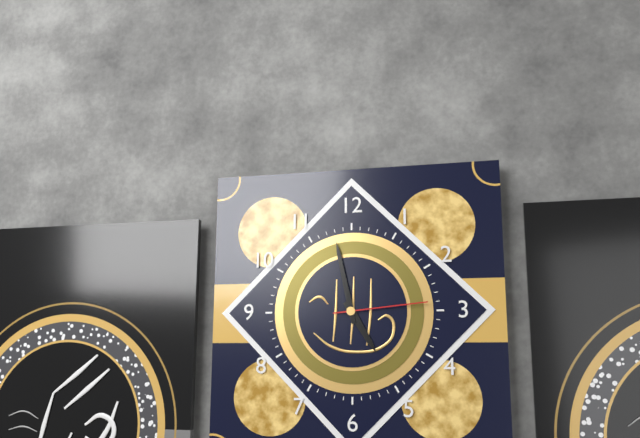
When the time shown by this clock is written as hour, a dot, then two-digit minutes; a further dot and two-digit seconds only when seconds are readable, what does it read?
4.58.14
